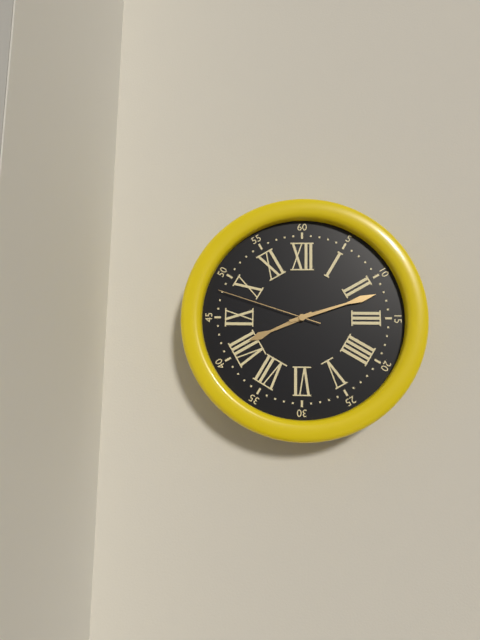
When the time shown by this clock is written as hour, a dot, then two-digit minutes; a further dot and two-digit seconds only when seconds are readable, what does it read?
8.12.48
